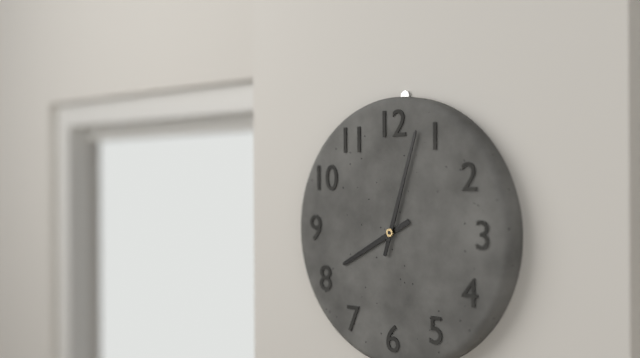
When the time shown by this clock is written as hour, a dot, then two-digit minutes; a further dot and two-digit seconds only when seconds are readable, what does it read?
8.03
